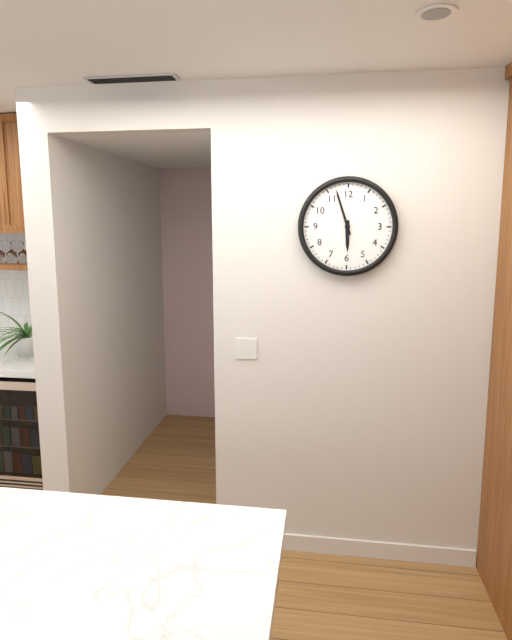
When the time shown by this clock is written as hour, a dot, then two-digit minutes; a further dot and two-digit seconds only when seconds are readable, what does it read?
5.57
